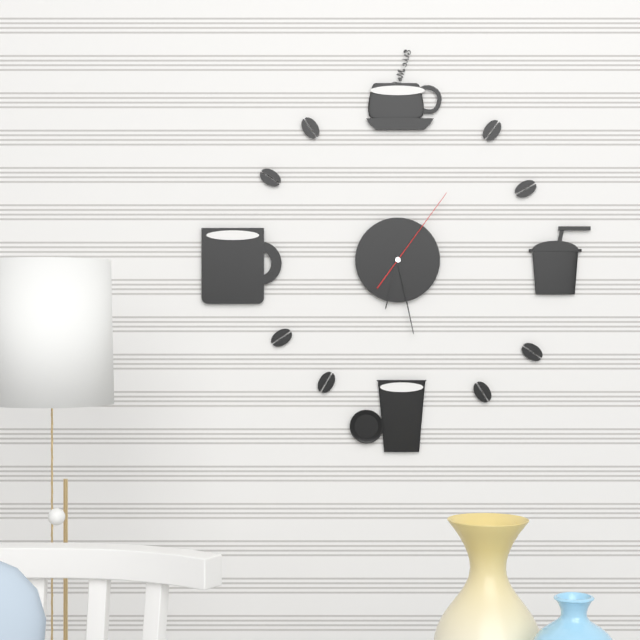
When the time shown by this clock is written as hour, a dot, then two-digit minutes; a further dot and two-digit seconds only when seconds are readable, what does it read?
6.28.06
